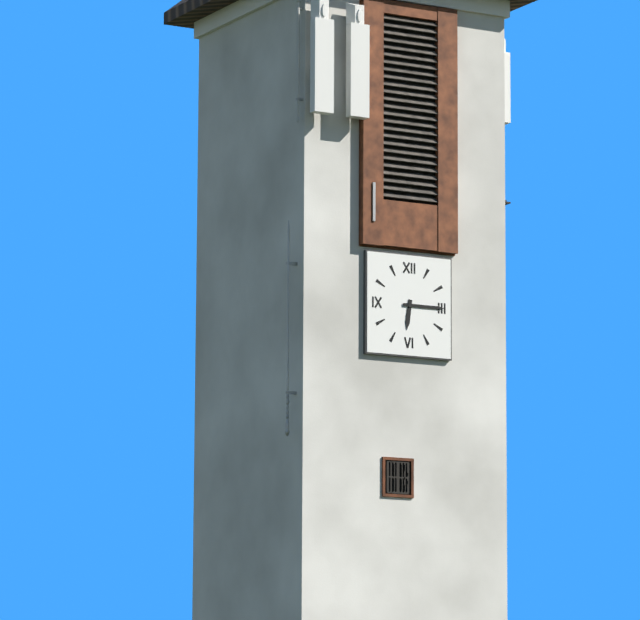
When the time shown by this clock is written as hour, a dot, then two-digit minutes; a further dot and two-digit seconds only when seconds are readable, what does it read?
6.15
